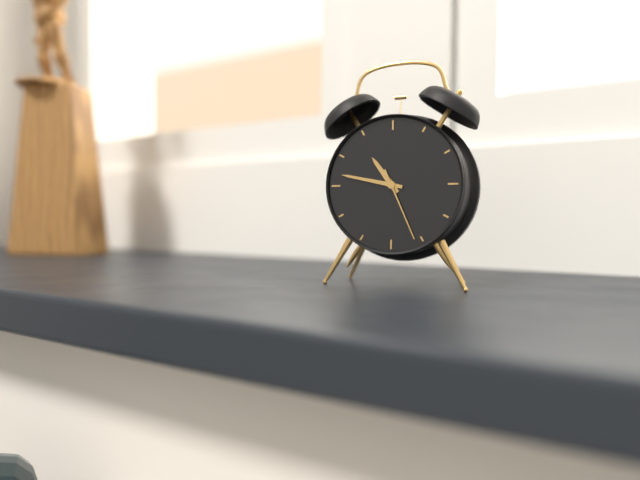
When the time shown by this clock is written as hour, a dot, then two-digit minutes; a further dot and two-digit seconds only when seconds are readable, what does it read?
10.47.26
